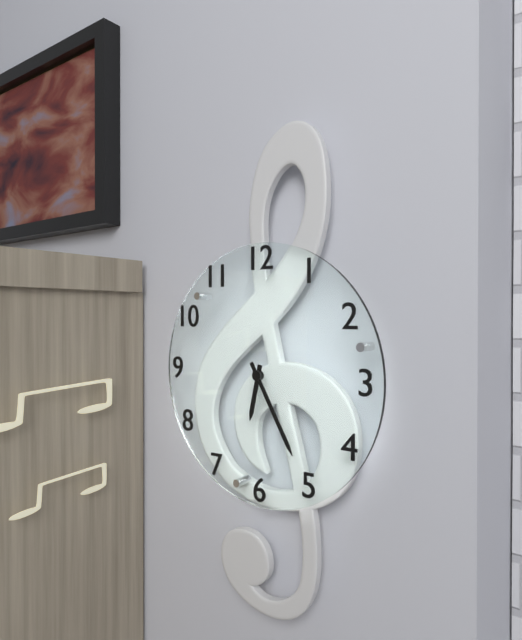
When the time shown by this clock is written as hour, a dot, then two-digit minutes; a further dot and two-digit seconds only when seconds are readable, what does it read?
6.25
